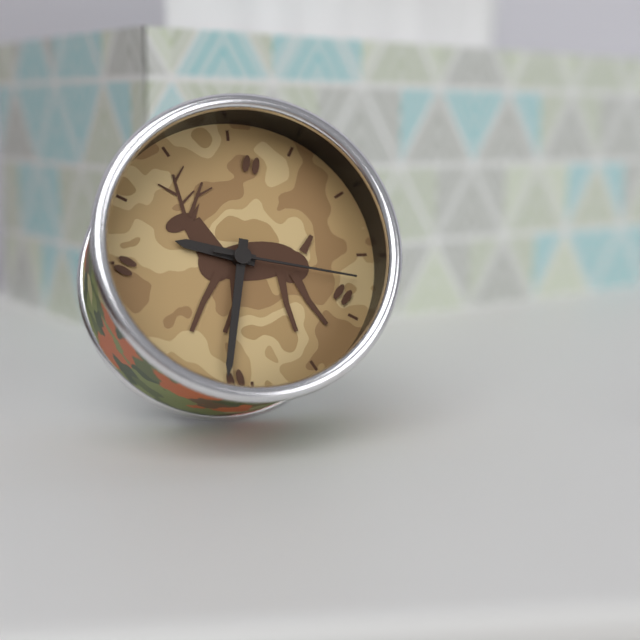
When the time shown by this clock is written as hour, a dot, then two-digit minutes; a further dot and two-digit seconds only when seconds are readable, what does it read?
9.32.17
